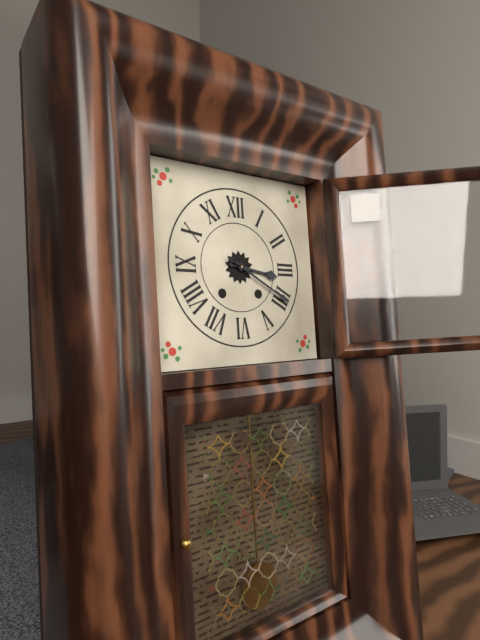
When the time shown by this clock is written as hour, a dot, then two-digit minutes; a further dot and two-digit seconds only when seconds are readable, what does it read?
3.20
